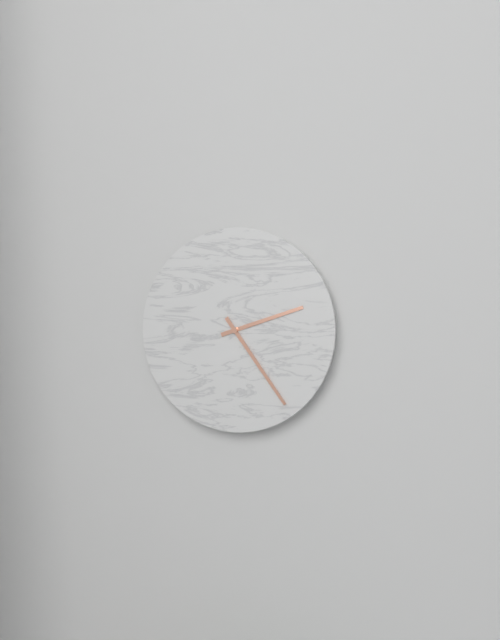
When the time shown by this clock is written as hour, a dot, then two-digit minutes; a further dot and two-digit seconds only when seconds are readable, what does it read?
2.24
